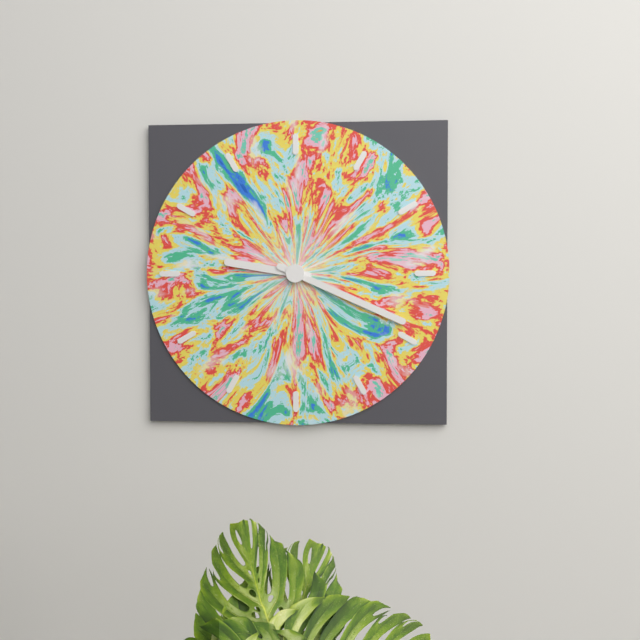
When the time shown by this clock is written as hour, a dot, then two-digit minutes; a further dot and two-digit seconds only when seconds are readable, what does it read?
9.19
